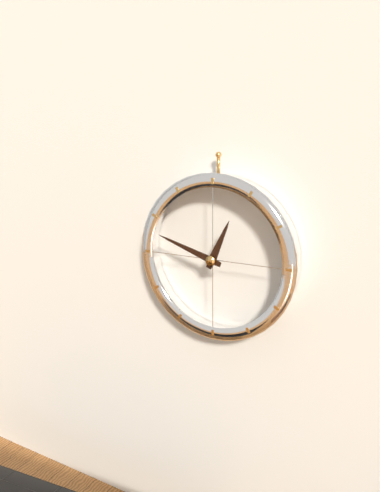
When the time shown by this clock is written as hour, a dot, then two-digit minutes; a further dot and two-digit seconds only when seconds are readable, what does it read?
12.48
